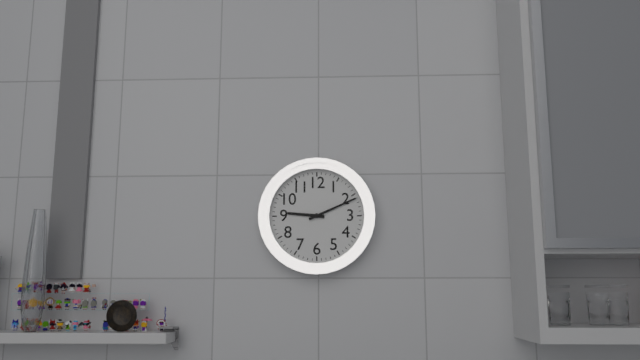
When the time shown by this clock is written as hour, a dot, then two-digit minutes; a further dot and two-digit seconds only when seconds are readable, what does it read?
9.11
